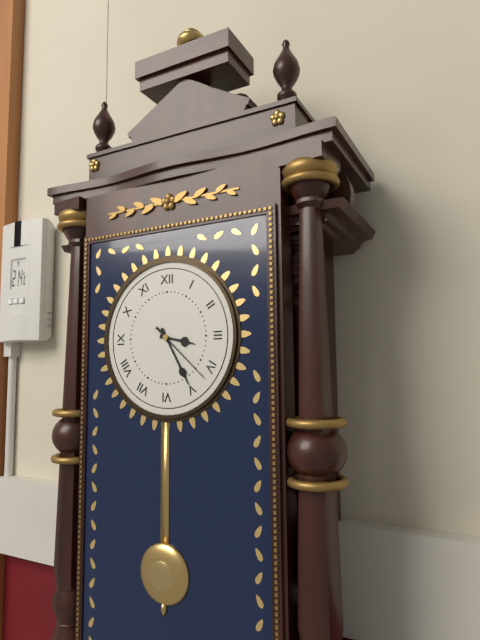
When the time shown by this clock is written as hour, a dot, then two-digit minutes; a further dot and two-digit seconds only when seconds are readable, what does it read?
3.25.22
